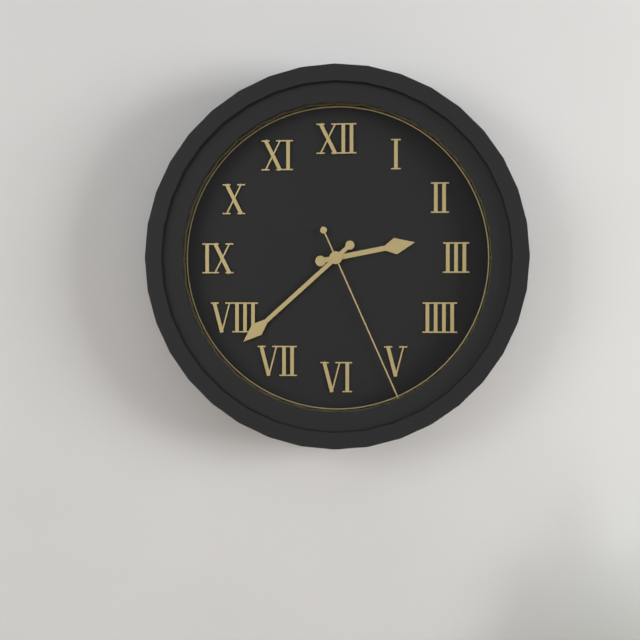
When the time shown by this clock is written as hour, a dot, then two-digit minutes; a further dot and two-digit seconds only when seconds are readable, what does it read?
2.38.26
